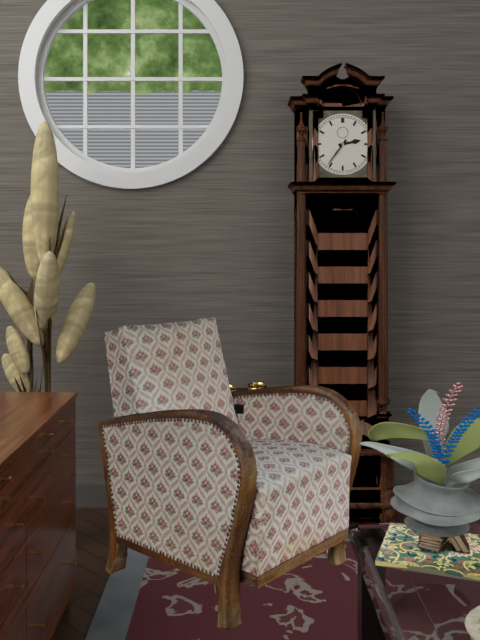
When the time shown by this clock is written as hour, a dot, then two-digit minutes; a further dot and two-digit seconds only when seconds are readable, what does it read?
2.36
